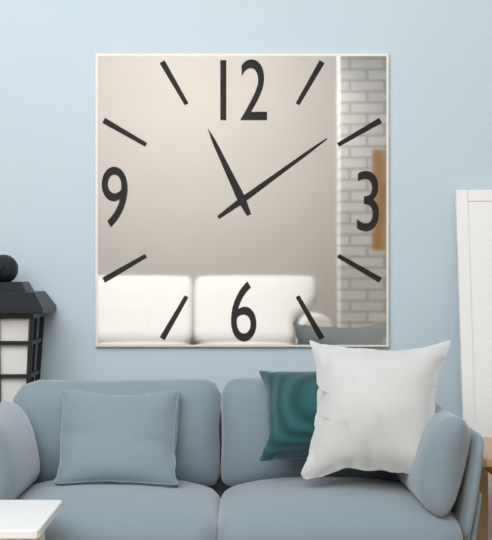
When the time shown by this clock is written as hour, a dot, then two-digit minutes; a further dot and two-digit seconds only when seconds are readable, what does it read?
11.09
